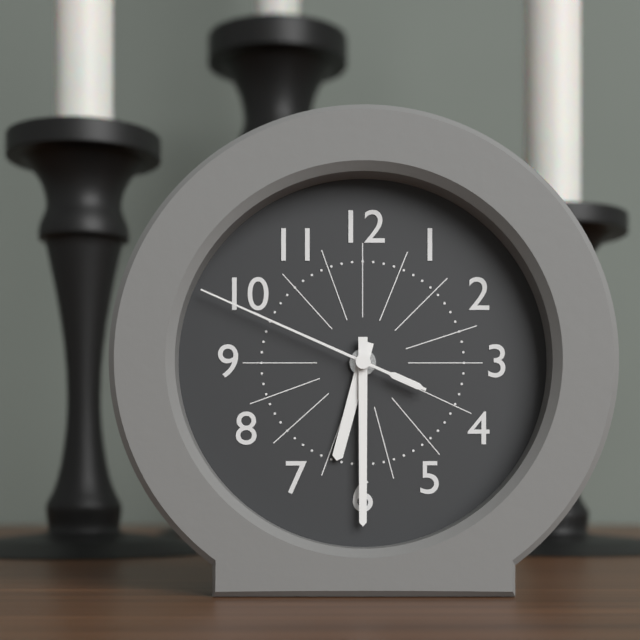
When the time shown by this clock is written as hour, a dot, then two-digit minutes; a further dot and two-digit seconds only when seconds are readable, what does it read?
6.30.49
